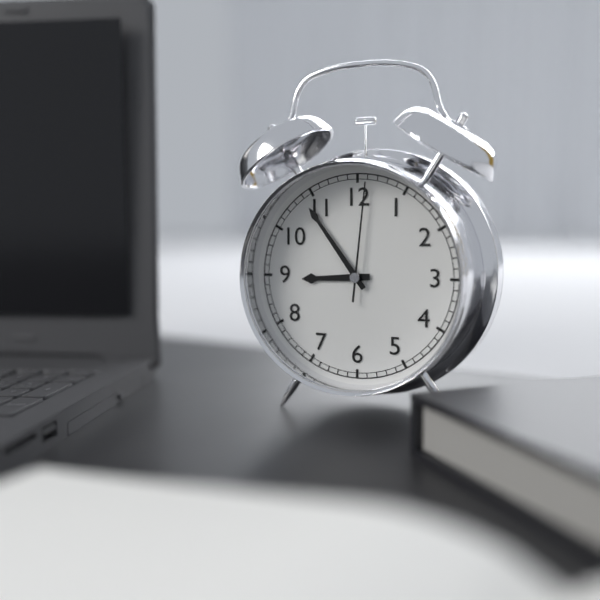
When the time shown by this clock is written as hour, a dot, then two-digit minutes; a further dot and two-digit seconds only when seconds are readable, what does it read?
8.54.01
